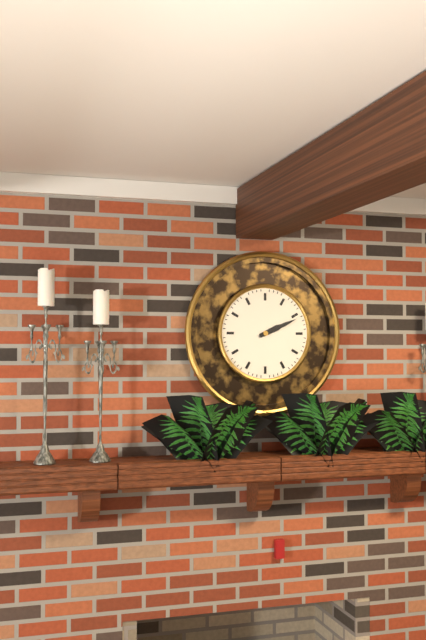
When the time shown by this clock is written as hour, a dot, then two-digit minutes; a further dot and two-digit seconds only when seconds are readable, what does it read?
2.11
